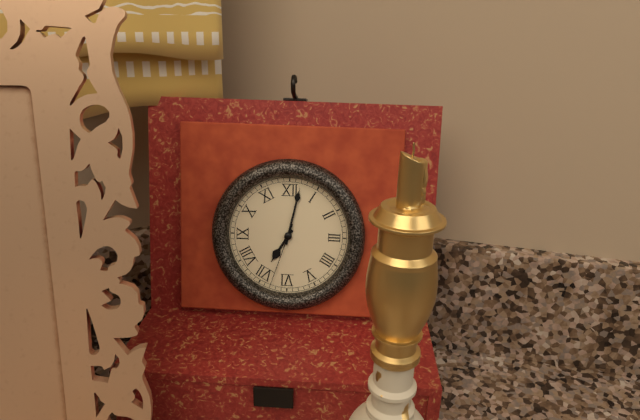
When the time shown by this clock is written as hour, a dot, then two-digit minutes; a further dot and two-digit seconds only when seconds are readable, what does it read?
7.02.33
